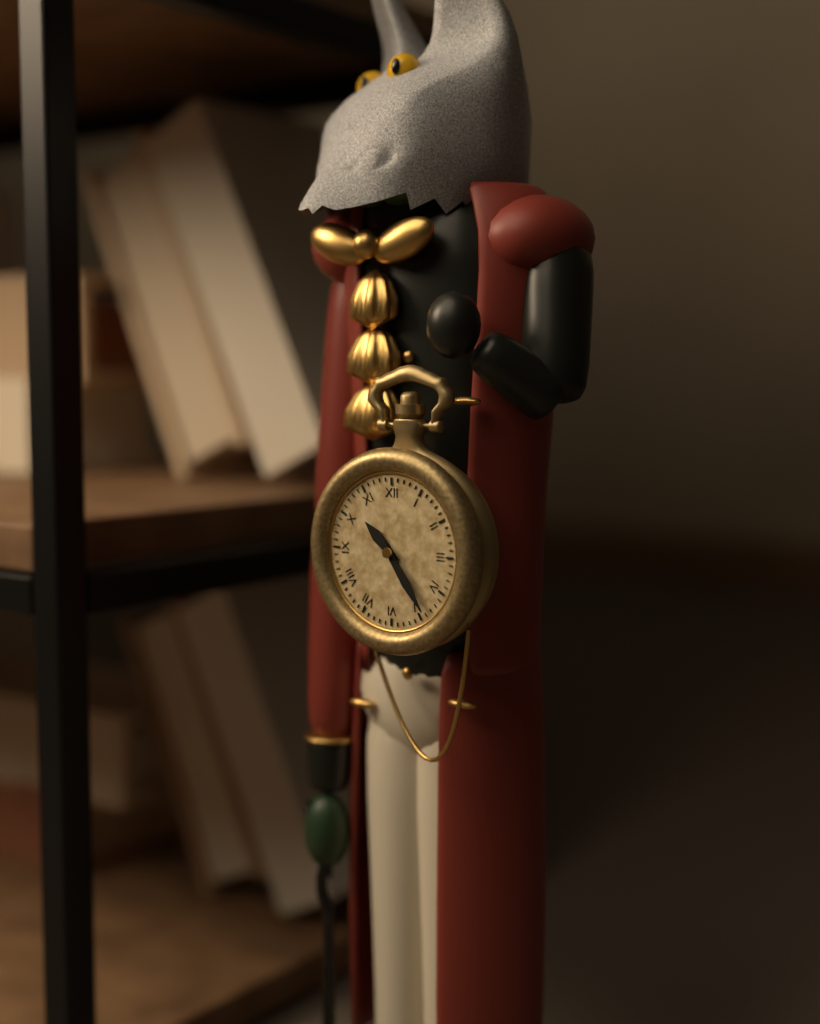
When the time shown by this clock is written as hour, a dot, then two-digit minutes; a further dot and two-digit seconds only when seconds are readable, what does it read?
10.24
